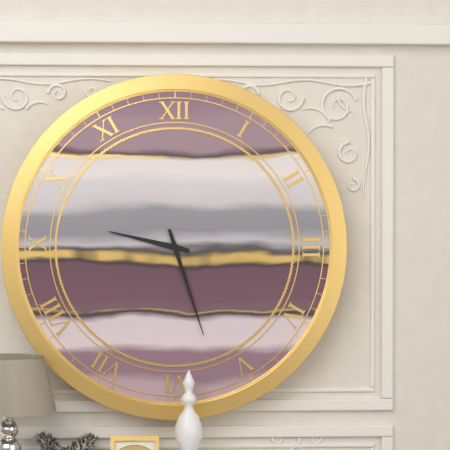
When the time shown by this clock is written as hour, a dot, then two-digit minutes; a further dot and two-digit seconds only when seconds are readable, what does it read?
9.27
